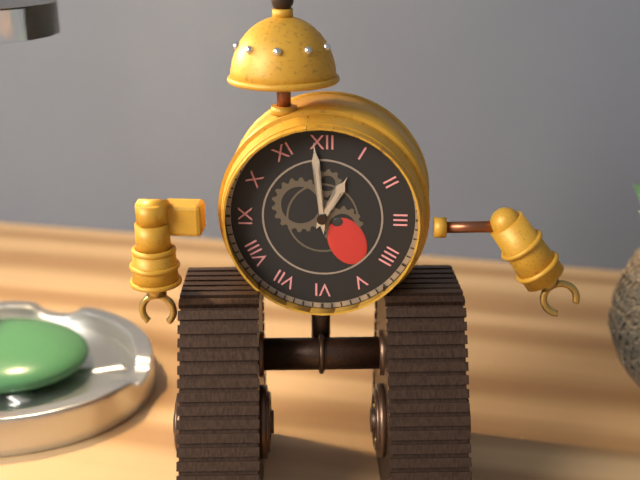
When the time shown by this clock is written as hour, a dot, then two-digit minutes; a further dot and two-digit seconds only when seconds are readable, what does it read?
12.59
